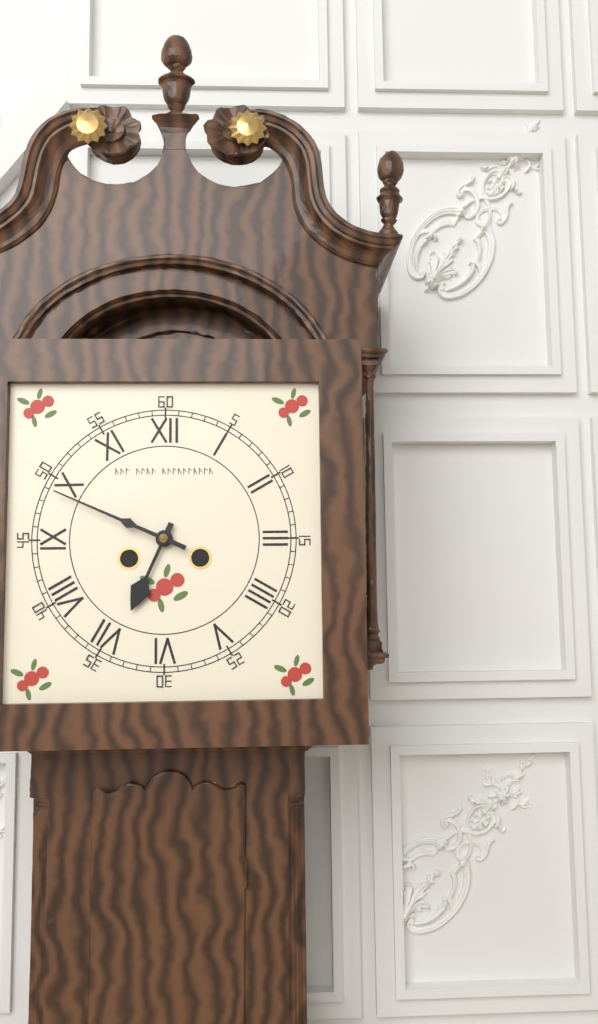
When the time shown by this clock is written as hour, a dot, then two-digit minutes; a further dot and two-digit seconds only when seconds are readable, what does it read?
6.49
